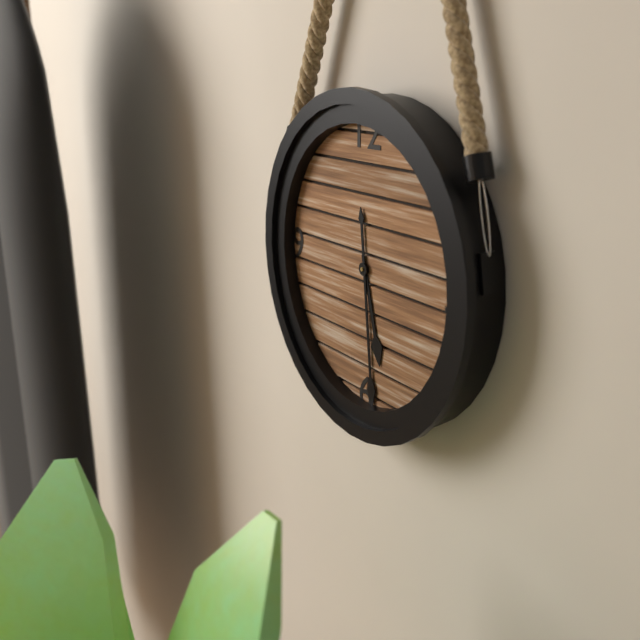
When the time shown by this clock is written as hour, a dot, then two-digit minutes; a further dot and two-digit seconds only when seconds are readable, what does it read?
5.29
